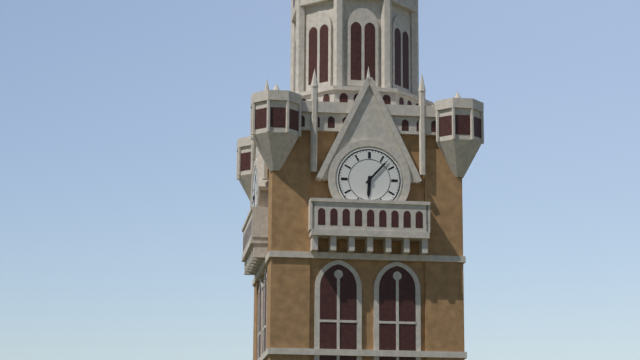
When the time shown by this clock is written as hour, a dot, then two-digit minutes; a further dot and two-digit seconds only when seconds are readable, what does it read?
6.07
